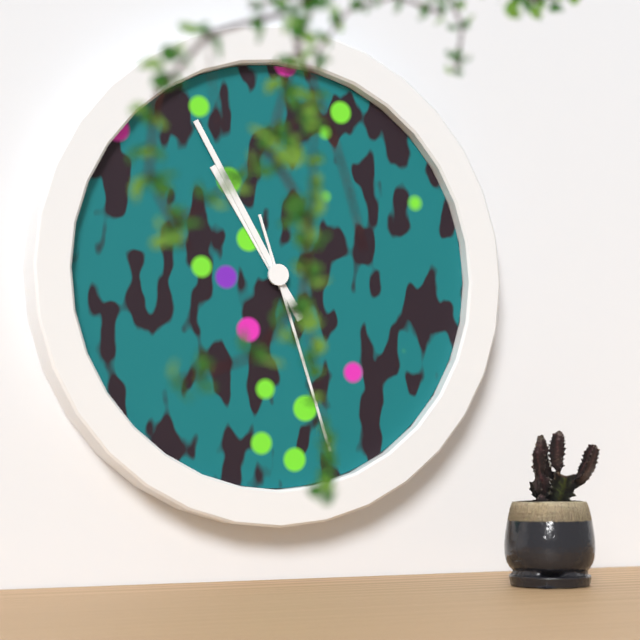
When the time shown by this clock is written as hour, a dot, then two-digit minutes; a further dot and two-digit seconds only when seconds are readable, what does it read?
10.55.27
